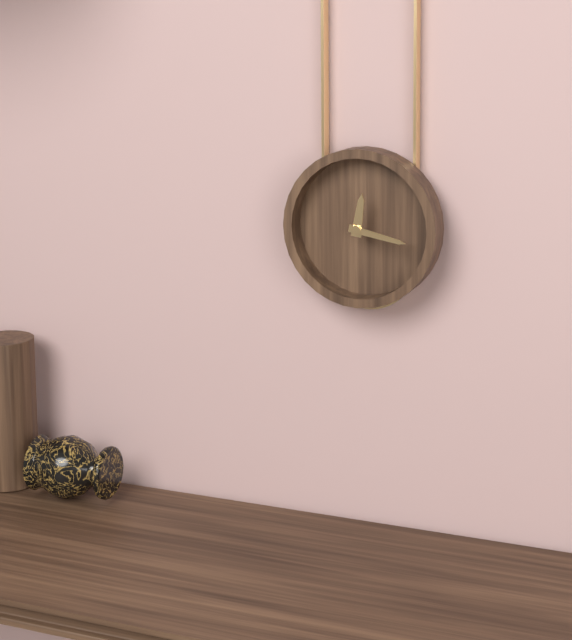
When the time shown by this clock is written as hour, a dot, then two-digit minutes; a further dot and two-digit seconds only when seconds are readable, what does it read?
12.17
